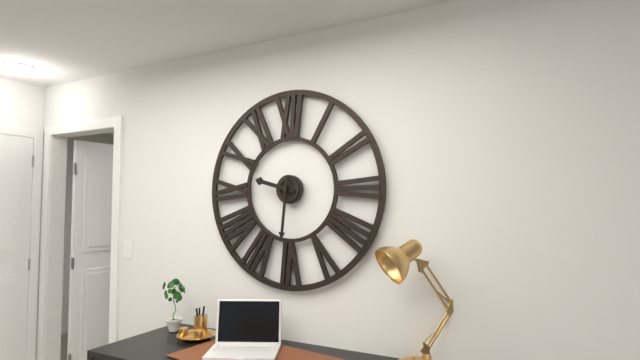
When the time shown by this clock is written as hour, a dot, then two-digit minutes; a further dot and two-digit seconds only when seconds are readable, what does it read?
9.31
